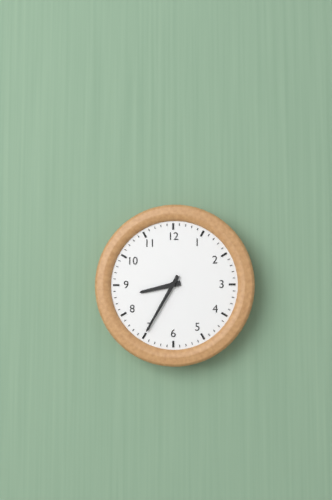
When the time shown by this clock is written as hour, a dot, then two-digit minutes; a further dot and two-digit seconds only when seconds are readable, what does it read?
8.35
